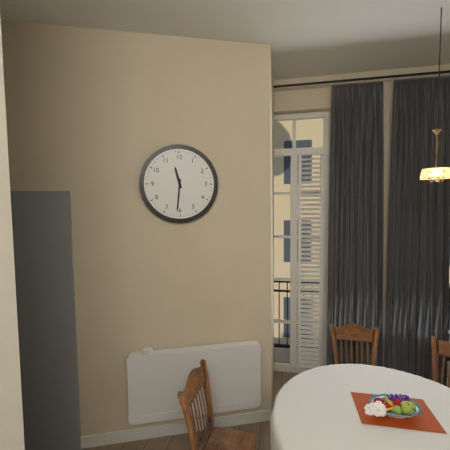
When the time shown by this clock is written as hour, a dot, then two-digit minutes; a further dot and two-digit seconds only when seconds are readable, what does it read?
11.31
